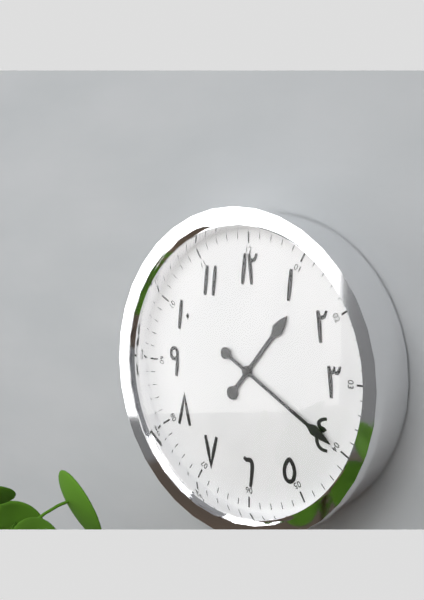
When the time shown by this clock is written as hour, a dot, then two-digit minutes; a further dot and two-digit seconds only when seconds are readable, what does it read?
1.20
